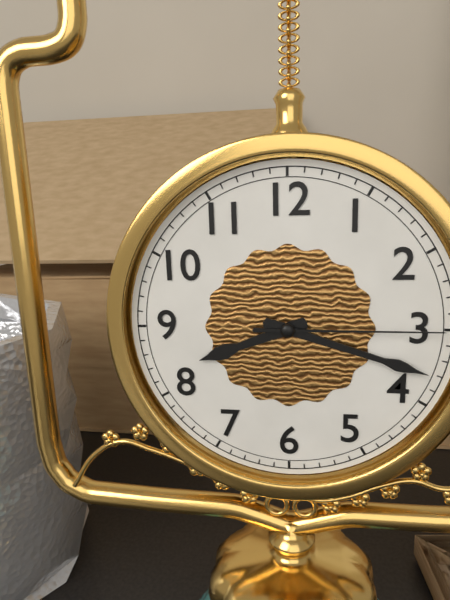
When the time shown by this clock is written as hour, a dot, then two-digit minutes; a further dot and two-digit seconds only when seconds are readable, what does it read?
8.18.15
